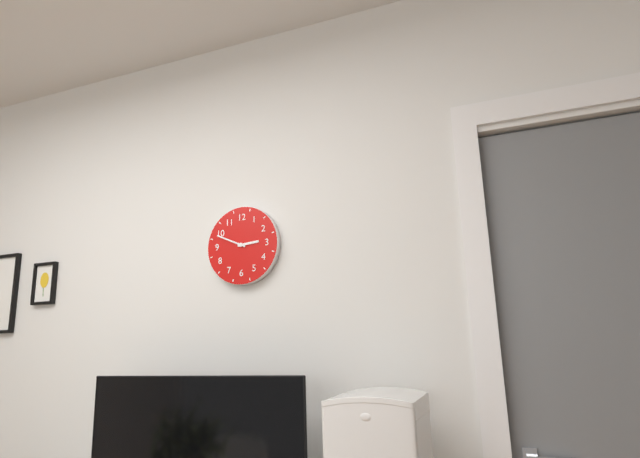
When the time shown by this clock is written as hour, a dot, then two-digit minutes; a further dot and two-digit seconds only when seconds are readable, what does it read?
2.49
